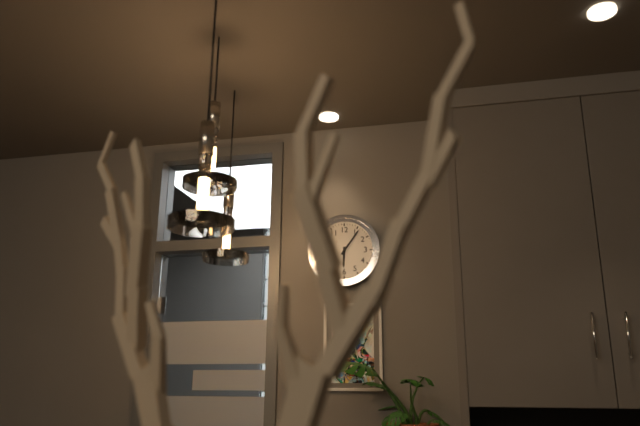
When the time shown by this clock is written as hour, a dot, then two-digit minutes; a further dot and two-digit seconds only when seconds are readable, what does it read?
6.06
